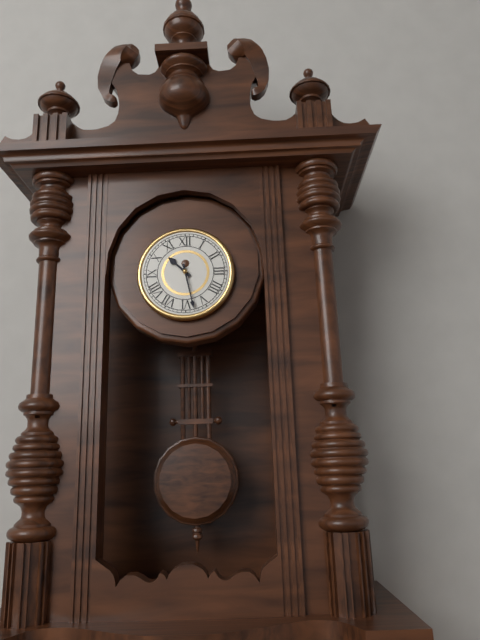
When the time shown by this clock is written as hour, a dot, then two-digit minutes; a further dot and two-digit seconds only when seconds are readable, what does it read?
10.28
